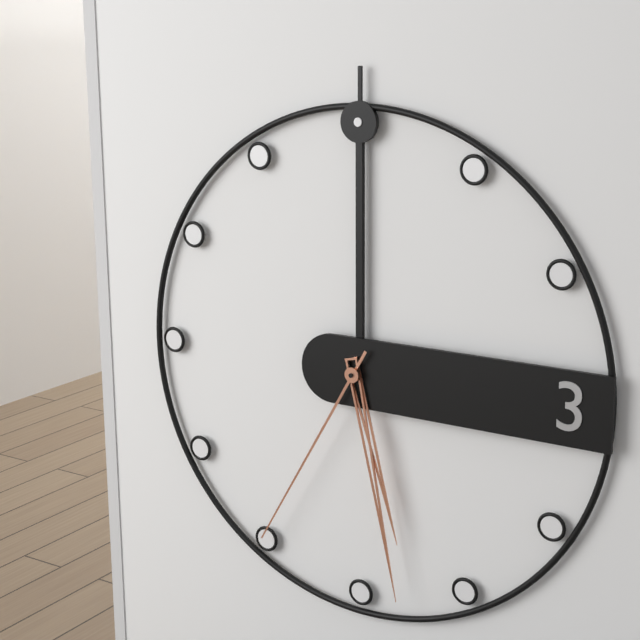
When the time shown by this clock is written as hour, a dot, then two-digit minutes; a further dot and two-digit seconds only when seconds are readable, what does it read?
5.28.35
